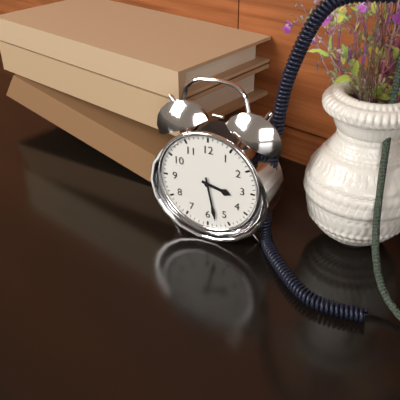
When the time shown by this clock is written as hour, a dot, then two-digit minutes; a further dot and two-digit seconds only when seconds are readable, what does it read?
3.28
